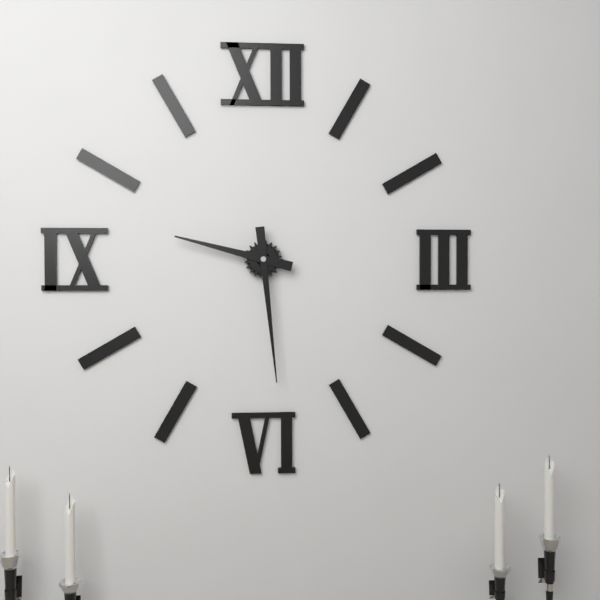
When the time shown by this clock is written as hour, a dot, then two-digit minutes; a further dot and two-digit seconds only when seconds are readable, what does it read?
9.29
